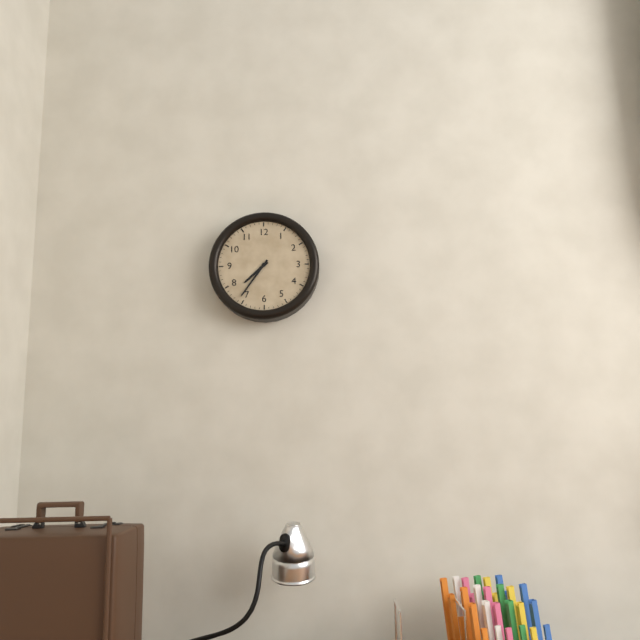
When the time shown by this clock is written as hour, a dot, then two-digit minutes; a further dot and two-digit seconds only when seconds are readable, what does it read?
7.36
